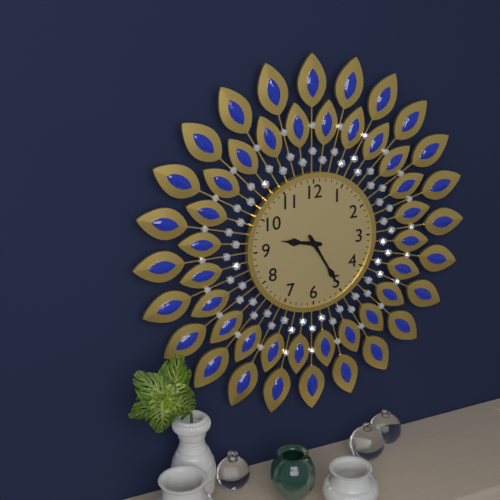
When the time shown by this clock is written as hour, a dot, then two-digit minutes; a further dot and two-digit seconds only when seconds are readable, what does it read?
9.25
